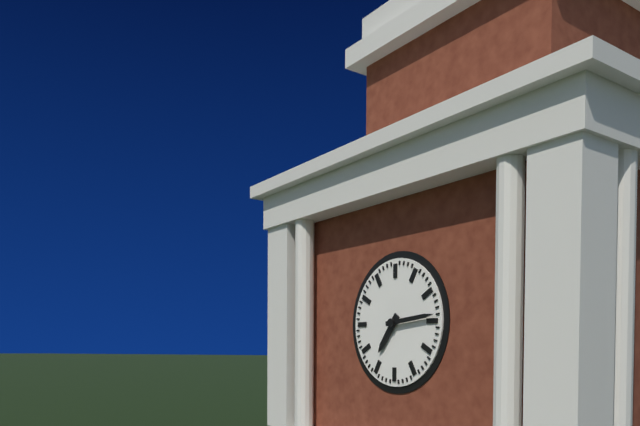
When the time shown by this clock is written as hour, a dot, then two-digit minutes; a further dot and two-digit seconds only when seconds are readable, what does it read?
7.14
